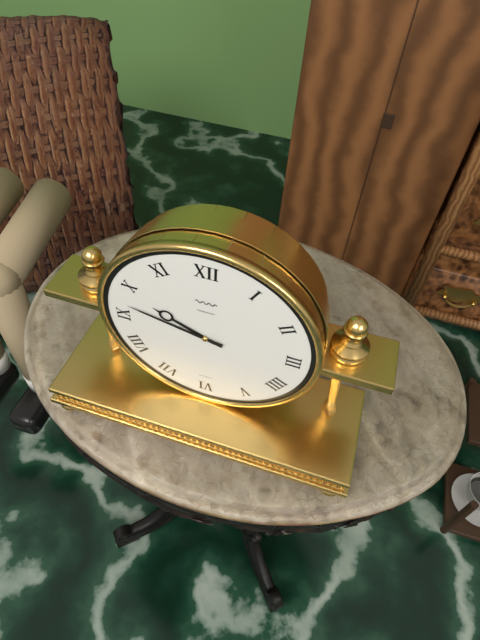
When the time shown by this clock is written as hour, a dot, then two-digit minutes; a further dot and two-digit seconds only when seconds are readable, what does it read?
9.47
